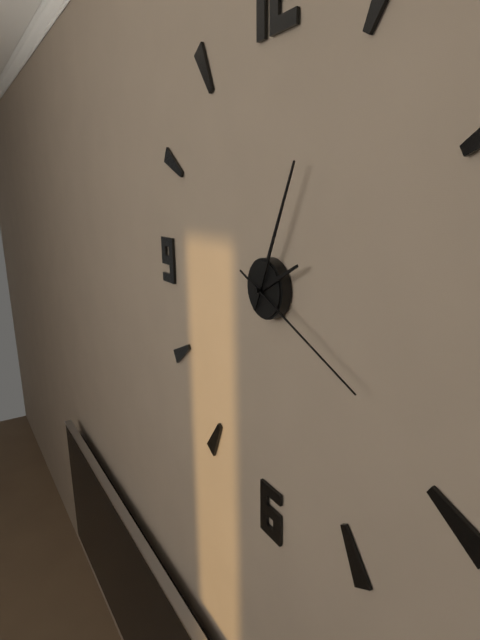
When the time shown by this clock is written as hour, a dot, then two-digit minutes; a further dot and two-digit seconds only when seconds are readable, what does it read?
2.04.19
